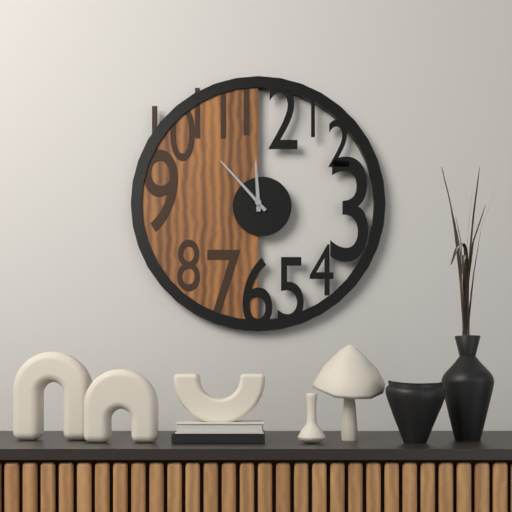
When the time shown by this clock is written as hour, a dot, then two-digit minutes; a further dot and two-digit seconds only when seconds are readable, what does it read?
11.53
